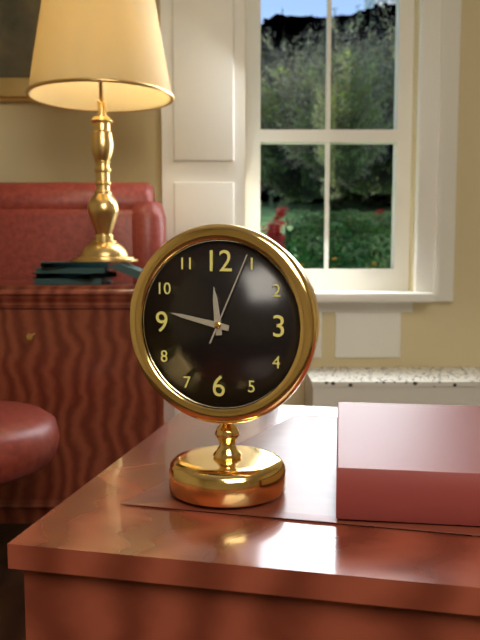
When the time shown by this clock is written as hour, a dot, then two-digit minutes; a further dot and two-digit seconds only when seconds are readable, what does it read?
11.47.04
